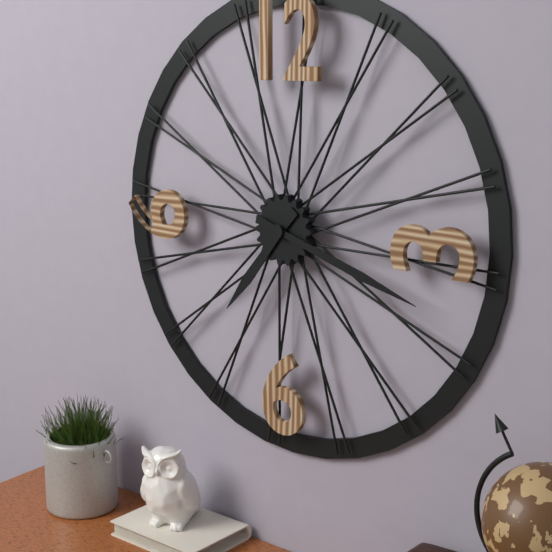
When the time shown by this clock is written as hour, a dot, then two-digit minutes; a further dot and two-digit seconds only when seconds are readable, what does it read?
7.18
